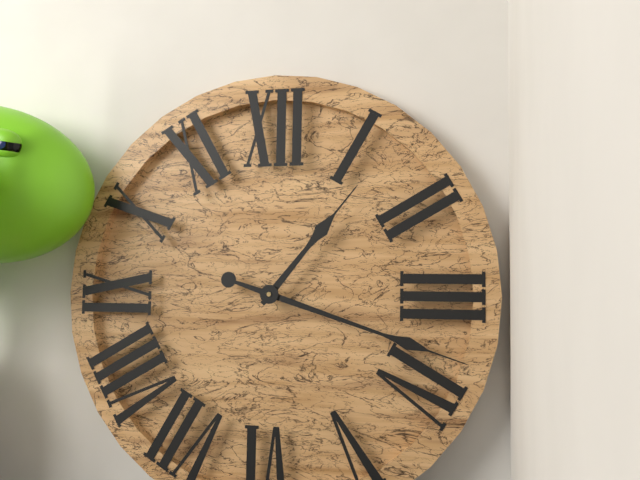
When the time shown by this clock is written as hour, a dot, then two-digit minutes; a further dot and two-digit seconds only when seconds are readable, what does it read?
1.18
